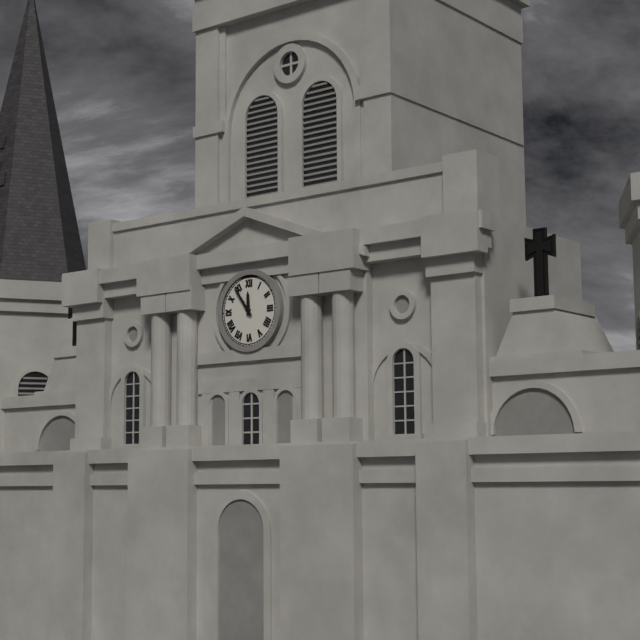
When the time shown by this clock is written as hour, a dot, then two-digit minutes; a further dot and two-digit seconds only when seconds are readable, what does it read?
11.54
